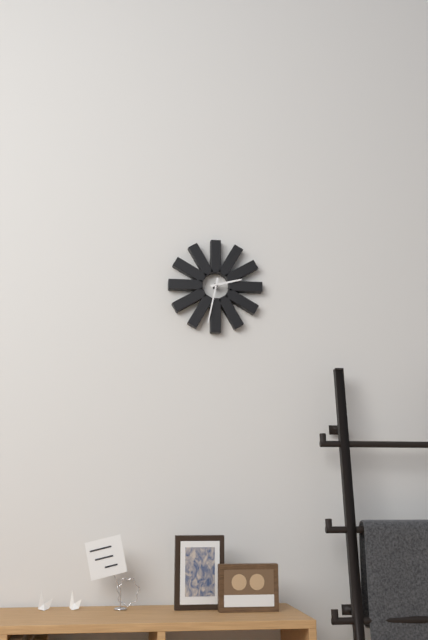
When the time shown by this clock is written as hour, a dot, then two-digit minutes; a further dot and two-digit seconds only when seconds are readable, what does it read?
2.32
